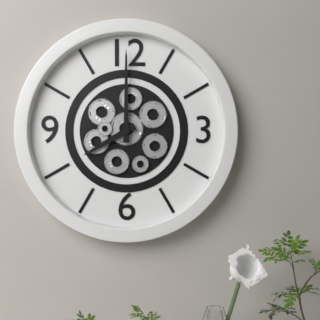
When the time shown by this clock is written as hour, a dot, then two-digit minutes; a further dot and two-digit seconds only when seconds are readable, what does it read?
8.00
